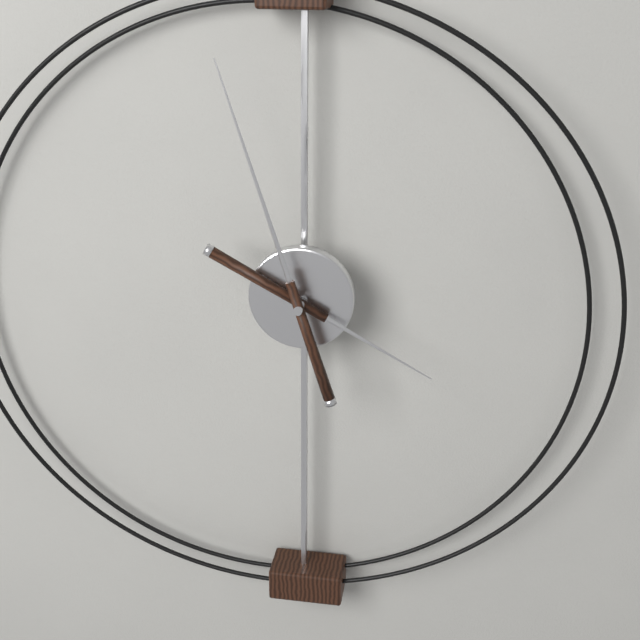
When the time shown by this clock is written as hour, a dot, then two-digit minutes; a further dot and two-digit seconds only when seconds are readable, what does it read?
3.57
